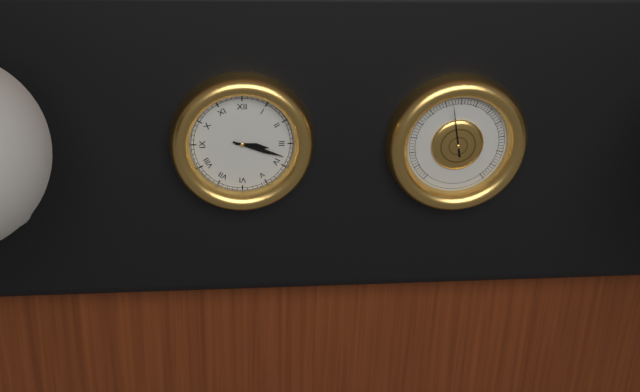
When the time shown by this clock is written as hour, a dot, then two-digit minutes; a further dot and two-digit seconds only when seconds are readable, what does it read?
3.18
